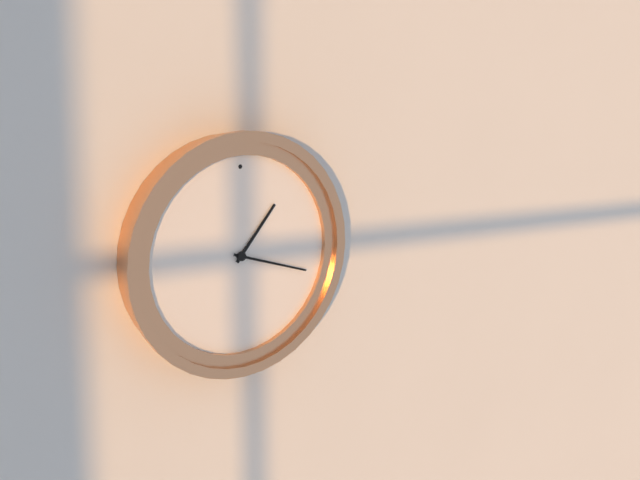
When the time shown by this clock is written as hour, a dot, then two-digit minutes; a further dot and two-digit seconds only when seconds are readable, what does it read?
1.18
